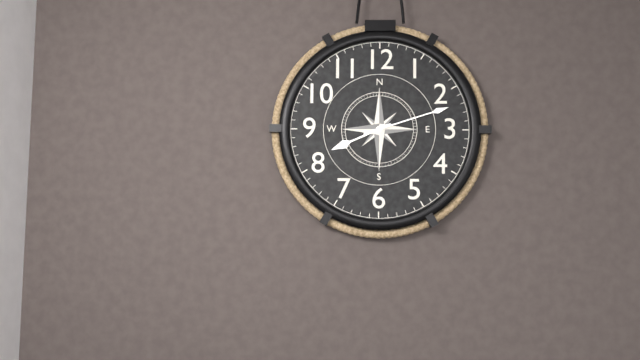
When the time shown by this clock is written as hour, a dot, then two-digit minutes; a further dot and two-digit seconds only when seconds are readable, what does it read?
8.12
